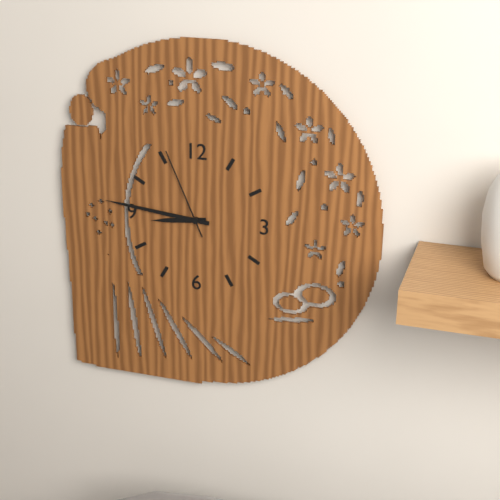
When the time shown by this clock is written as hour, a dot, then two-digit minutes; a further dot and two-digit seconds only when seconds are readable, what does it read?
8.46.56
